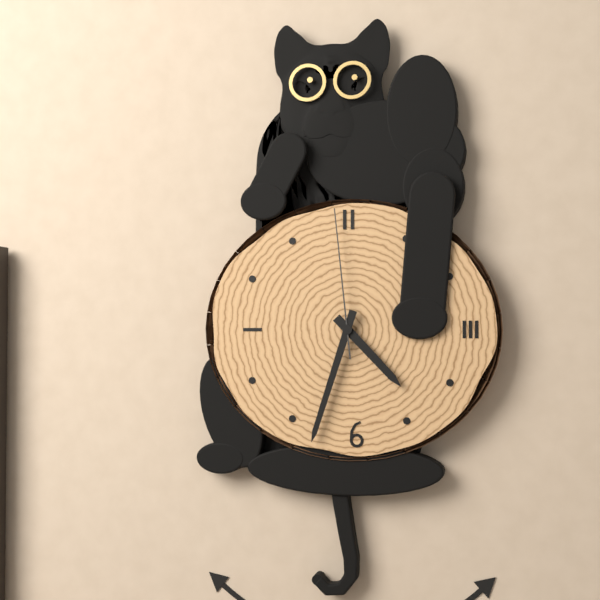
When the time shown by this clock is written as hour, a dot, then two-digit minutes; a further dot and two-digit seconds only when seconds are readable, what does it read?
4.33.59
